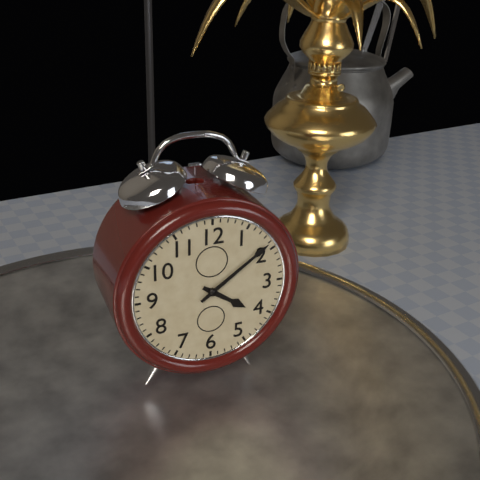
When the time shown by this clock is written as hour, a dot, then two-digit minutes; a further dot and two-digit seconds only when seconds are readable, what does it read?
4.09
